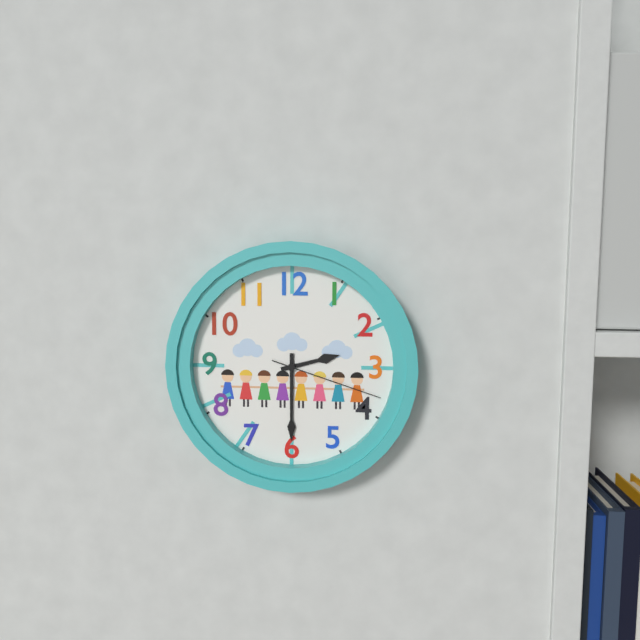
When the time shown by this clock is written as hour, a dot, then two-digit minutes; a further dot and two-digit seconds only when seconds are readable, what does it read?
2.30.18
